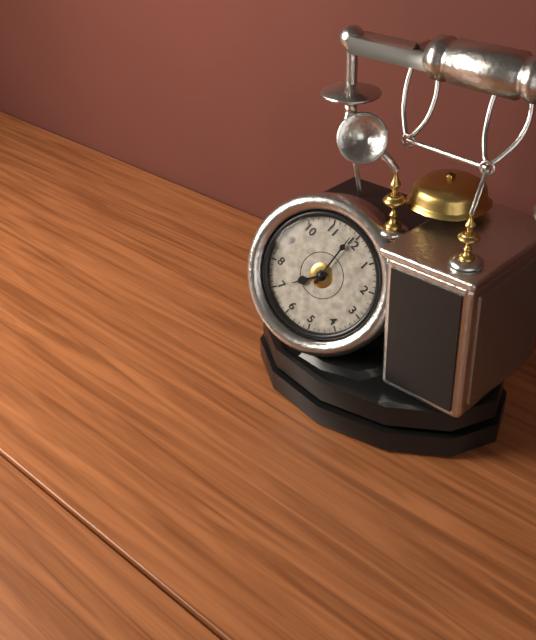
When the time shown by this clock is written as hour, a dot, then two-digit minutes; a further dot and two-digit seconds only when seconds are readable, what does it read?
6.59
